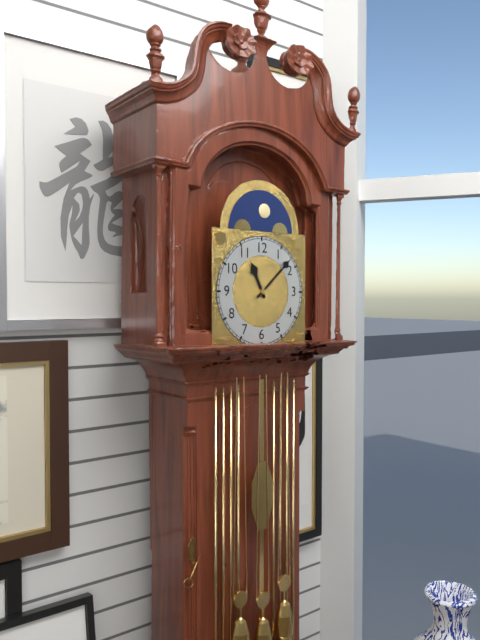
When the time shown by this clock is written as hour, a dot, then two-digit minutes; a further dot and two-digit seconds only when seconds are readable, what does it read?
11.08
